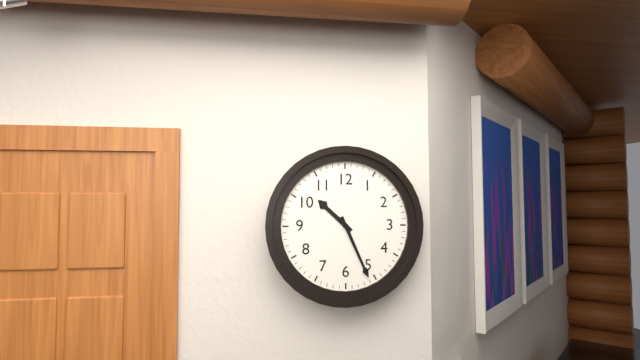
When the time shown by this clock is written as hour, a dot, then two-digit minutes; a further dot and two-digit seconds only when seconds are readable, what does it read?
10.26
